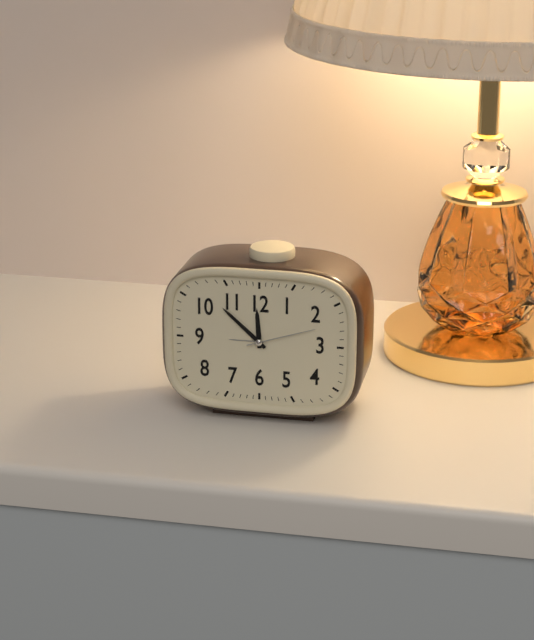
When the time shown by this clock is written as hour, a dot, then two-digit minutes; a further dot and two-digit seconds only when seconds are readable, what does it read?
11.52.12
